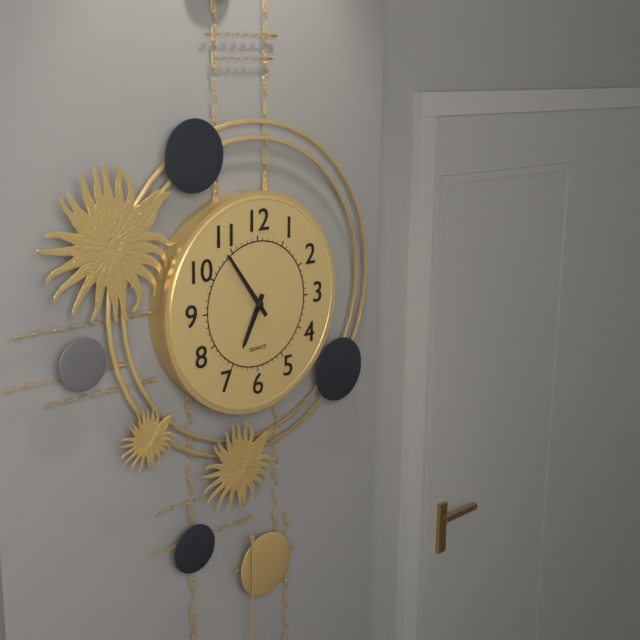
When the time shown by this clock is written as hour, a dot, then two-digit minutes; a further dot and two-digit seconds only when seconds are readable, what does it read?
6.54
